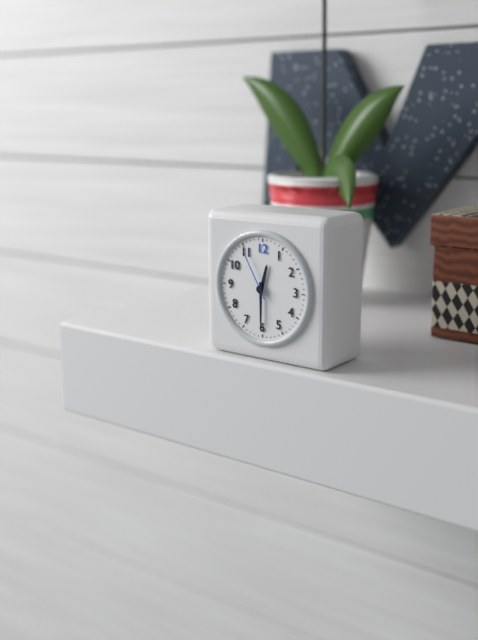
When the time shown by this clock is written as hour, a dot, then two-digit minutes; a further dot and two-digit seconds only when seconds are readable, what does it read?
12.30.55
